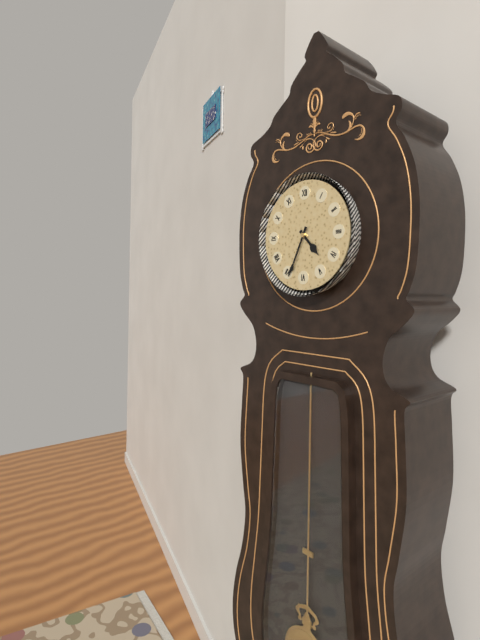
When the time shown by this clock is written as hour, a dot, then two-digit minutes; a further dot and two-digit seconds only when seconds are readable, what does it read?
4.34
